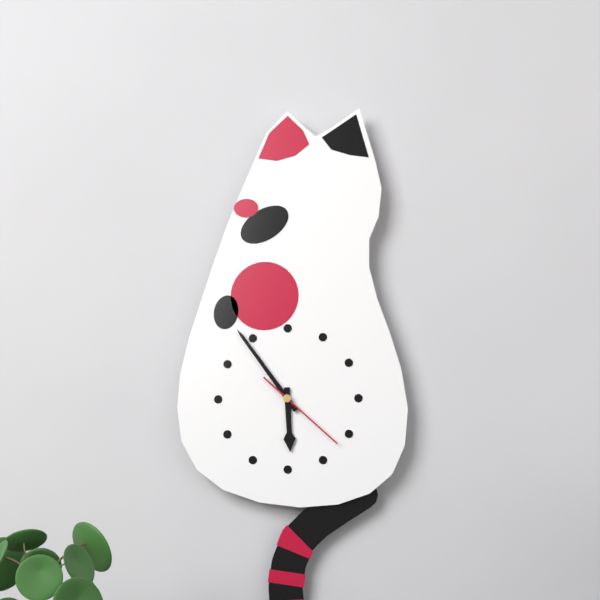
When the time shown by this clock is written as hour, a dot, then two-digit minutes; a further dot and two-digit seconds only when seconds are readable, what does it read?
5.54.22
